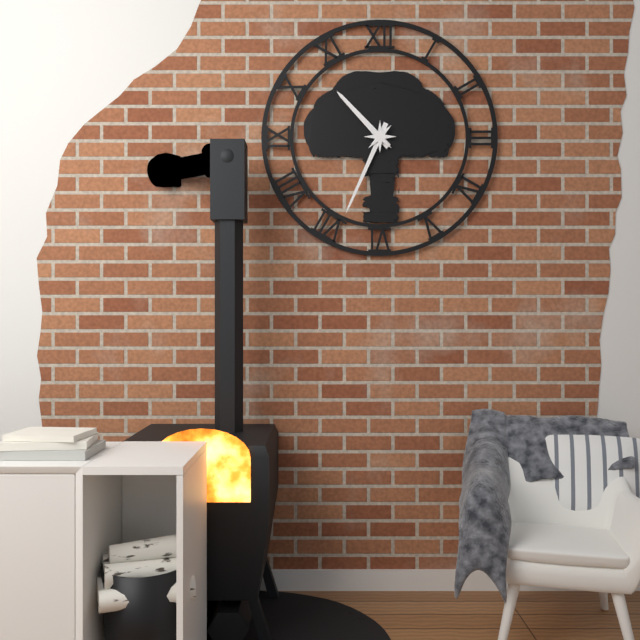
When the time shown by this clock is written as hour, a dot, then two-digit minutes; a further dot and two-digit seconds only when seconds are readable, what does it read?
10.34
